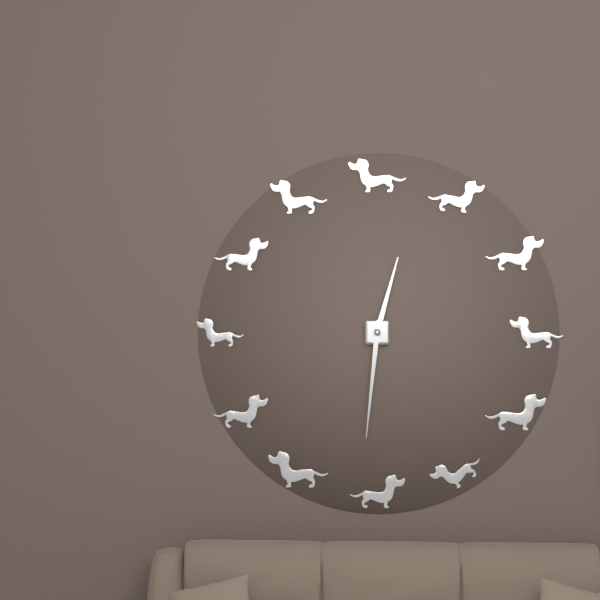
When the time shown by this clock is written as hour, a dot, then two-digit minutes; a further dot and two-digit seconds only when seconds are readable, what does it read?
12.31
